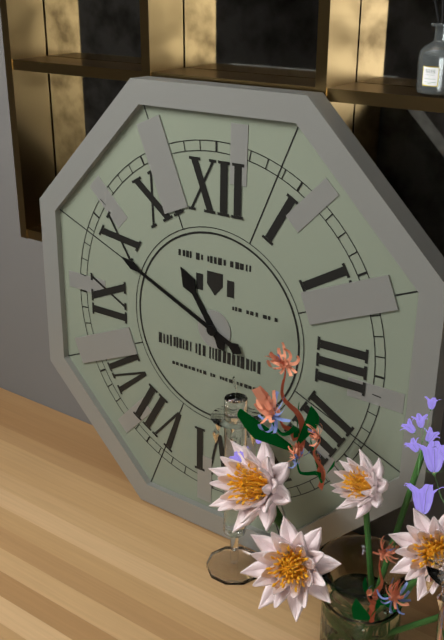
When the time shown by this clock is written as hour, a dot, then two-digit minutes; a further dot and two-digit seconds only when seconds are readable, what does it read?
10.49
